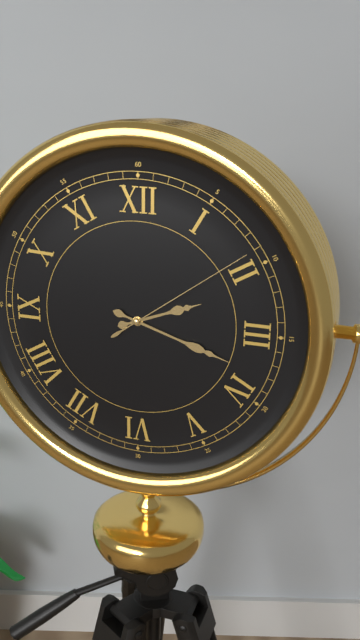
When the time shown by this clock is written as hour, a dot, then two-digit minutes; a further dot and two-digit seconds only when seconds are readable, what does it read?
2.18.09
